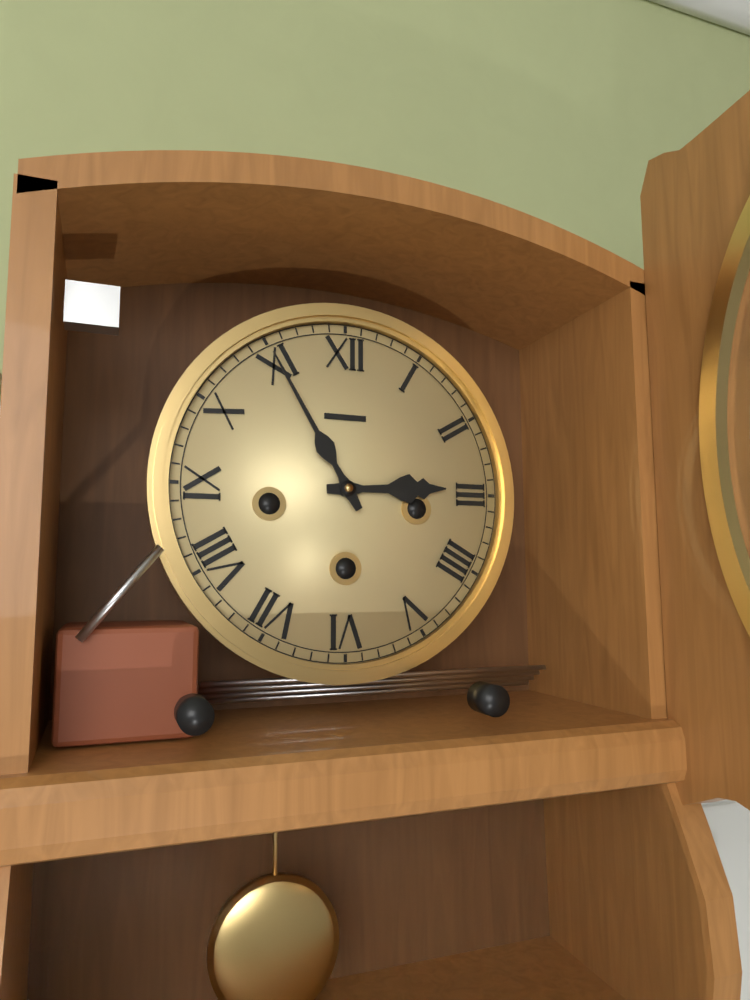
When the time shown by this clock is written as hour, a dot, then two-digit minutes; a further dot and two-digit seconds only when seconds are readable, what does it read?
2.55
